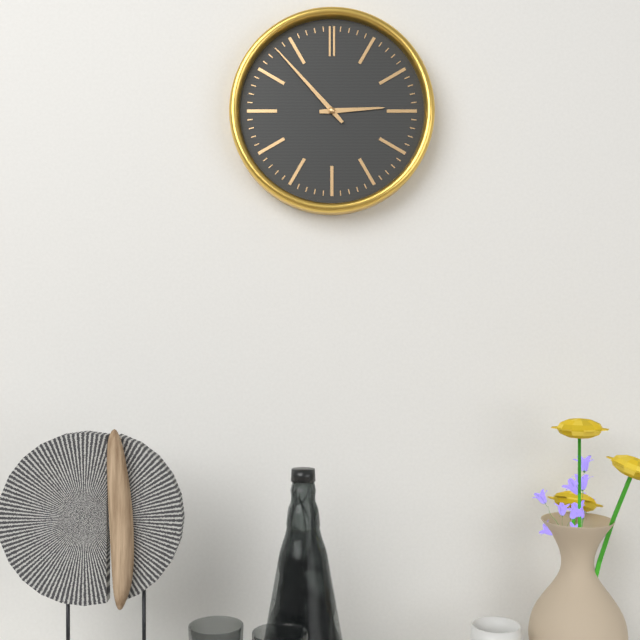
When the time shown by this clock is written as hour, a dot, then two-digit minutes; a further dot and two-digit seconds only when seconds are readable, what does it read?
2.53
